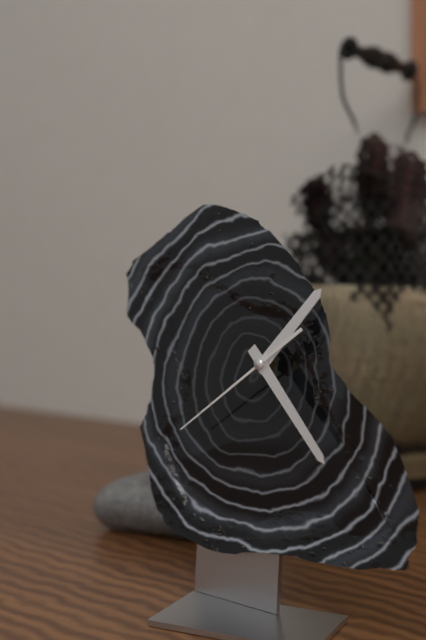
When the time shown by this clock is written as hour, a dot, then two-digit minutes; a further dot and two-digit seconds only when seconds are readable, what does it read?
1.23.39
